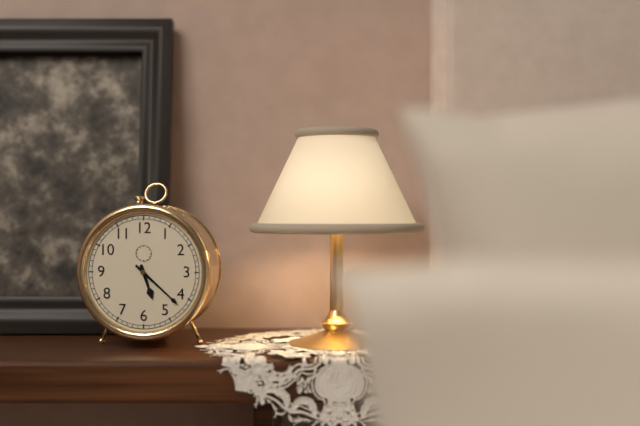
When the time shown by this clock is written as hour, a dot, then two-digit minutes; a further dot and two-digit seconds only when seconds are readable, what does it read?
5.22
